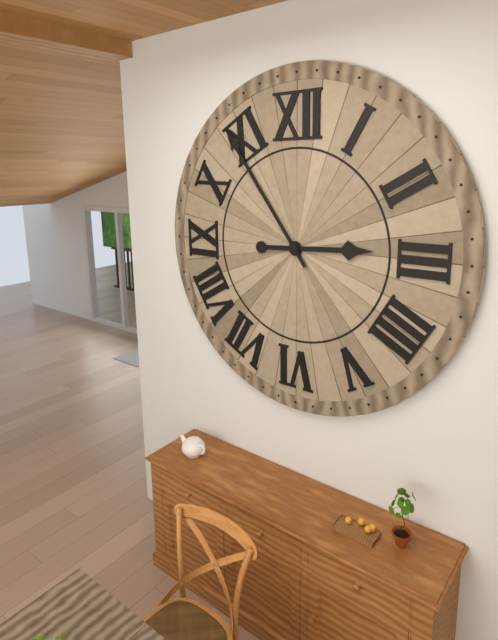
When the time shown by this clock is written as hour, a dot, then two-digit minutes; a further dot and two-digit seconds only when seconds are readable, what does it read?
2.54
